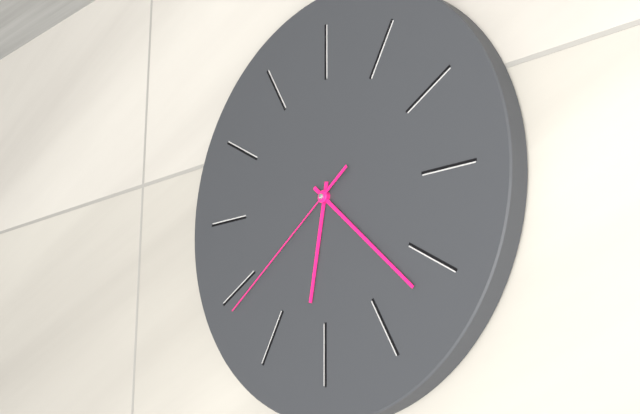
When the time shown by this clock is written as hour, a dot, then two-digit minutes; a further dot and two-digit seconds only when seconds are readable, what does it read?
6.22.39
